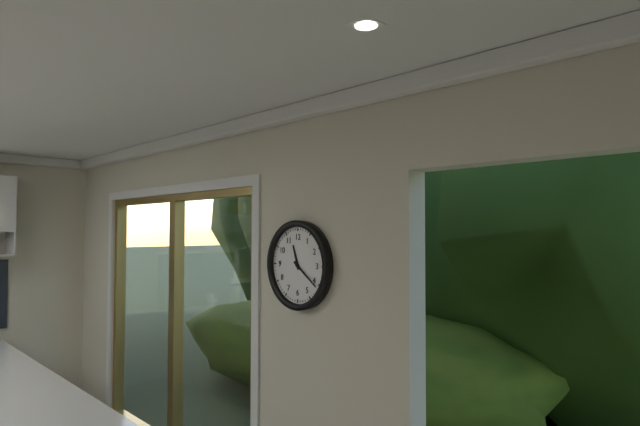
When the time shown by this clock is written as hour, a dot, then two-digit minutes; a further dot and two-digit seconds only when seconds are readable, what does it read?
11.21
